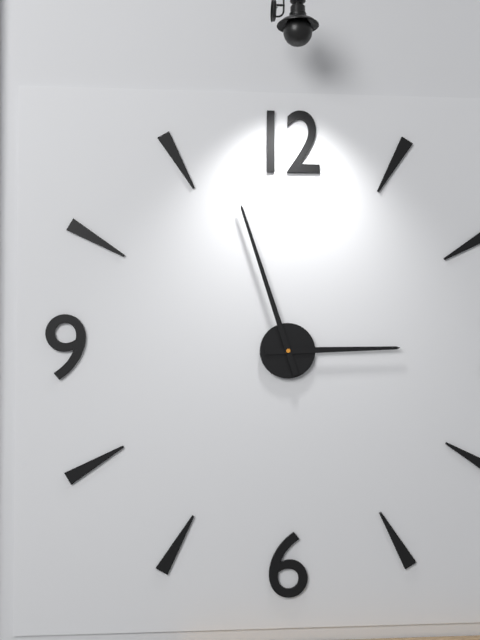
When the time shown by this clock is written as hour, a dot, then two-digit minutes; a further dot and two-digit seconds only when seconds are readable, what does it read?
2.57
